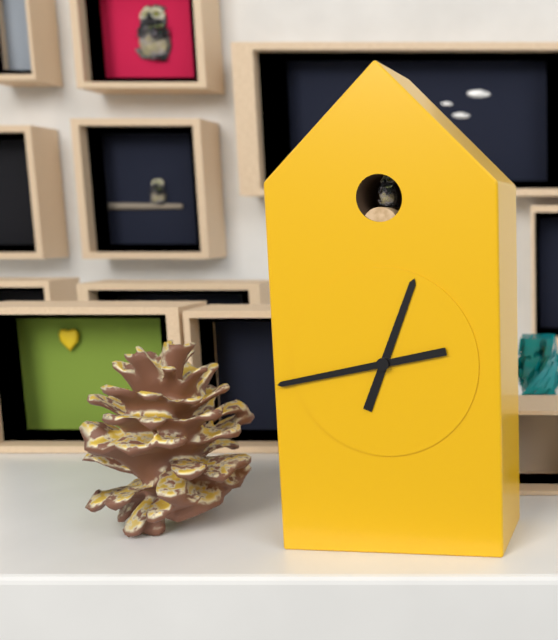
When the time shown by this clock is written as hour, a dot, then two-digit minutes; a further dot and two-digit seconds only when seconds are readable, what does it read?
12.43
